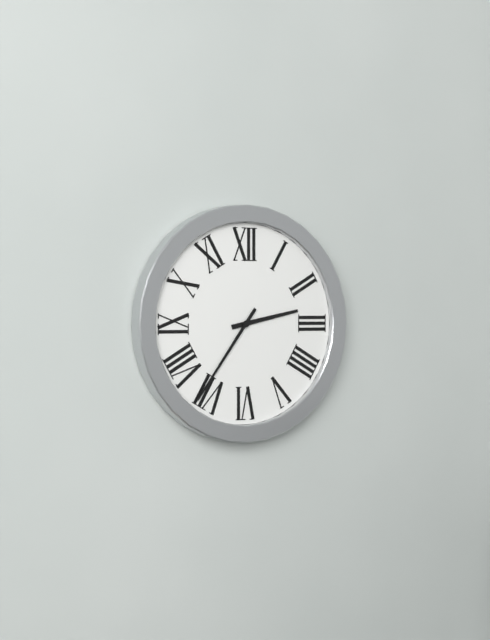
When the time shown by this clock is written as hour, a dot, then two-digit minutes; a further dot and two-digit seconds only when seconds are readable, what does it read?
2.36
